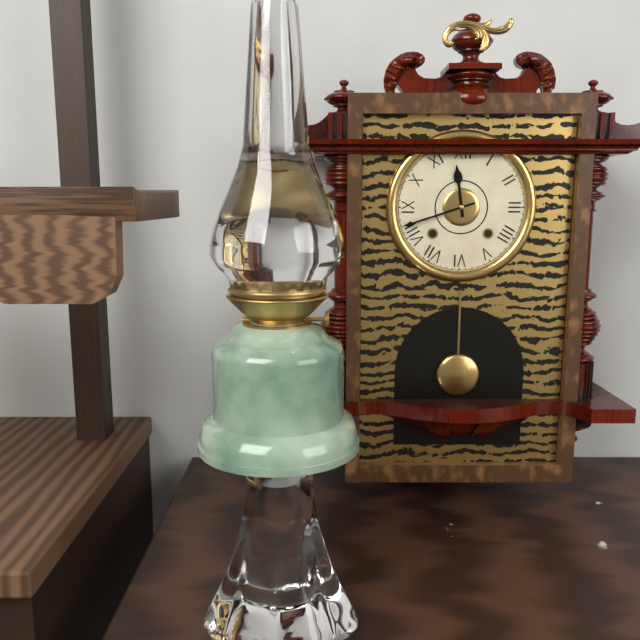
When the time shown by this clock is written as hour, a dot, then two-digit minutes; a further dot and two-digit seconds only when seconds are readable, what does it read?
11.42
